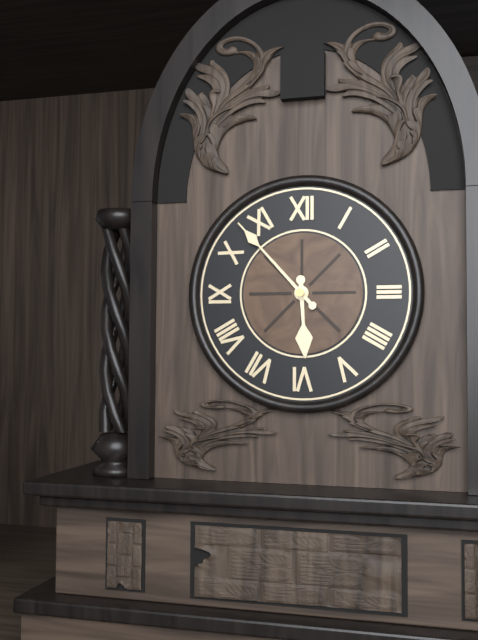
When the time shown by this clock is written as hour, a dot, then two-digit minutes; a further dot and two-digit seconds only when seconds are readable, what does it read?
5.53
